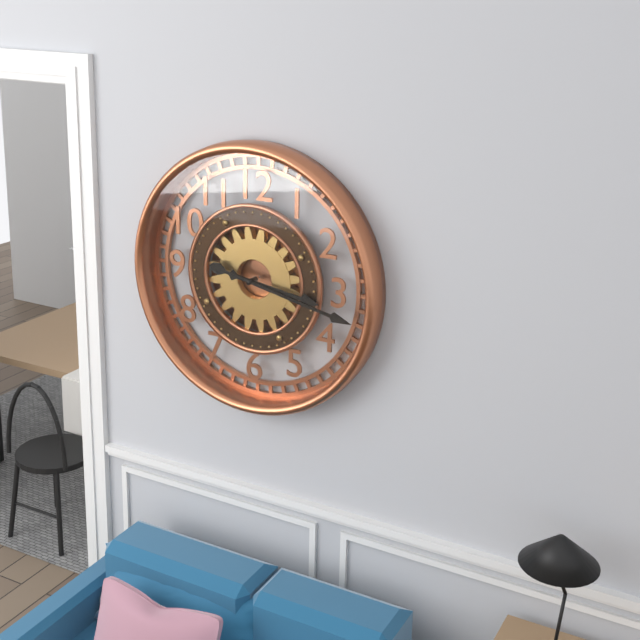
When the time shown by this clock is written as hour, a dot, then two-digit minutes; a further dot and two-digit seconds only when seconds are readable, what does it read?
3.17
